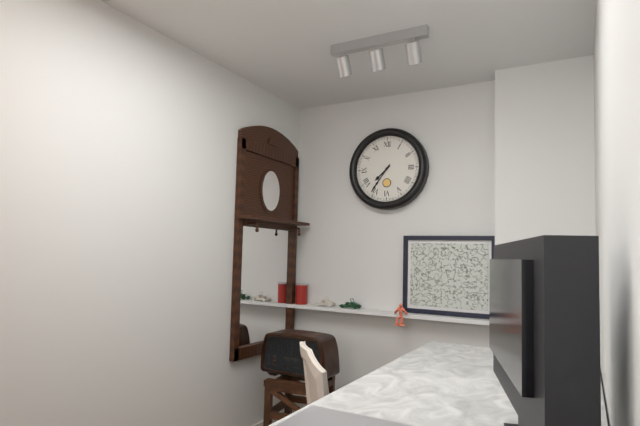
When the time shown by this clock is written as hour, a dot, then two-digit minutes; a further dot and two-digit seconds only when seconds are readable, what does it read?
7.36
